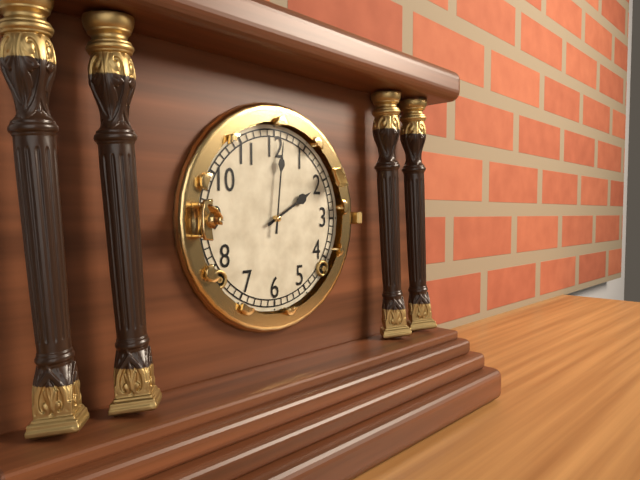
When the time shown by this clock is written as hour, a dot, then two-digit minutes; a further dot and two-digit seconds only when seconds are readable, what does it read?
2.01
